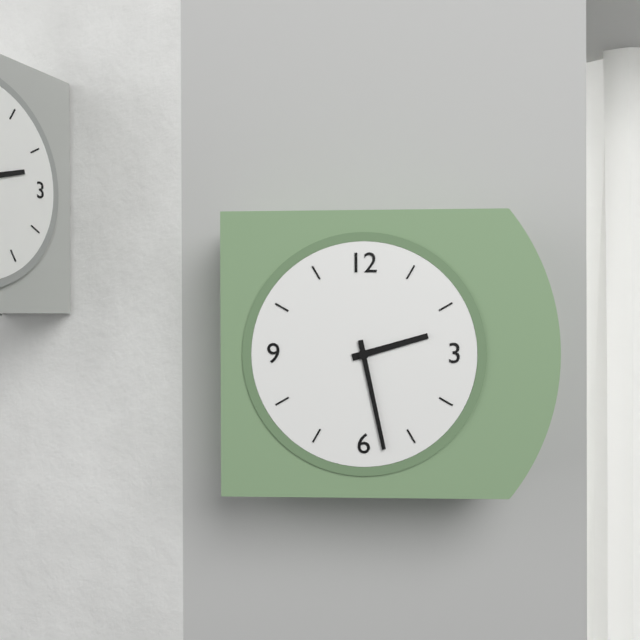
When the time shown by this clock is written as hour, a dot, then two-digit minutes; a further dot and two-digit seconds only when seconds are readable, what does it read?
2.28
